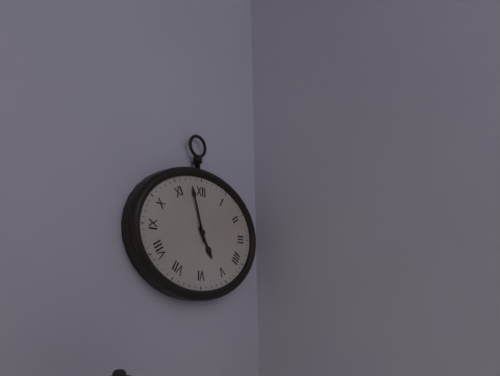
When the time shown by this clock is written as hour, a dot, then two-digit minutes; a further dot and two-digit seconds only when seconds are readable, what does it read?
4.57
